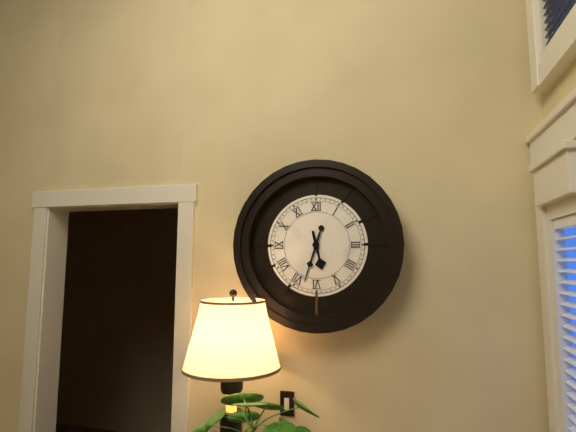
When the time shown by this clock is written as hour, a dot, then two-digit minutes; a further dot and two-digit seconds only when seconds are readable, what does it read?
5.33
